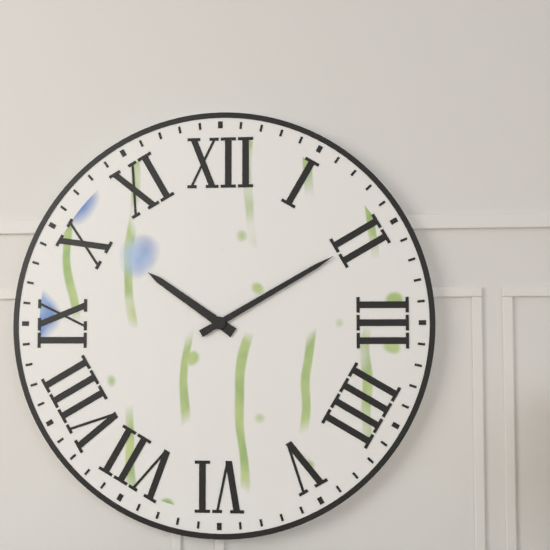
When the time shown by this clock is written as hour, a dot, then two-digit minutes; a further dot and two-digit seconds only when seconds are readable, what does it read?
10.10
